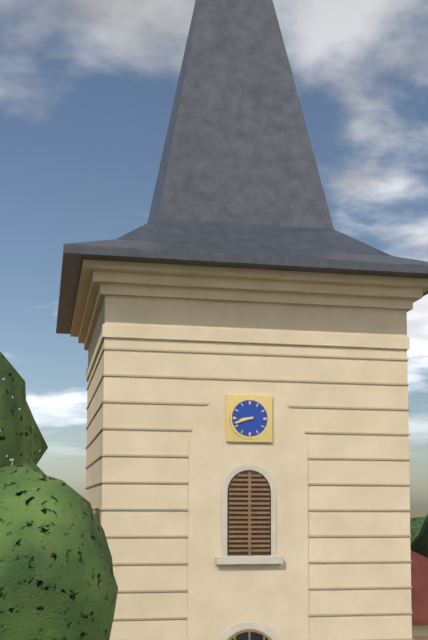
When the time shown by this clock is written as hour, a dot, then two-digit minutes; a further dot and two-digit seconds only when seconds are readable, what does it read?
8.42
